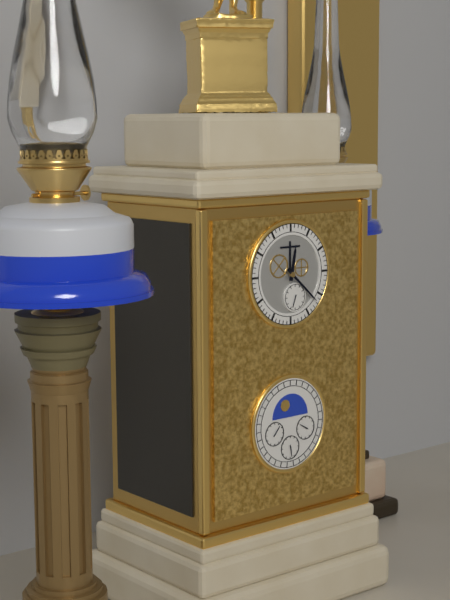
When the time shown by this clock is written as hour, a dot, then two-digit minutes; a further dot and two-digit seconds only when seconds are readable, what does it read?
12.22
